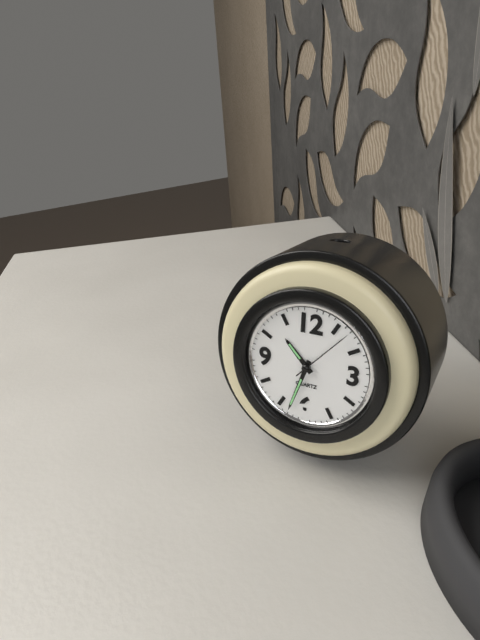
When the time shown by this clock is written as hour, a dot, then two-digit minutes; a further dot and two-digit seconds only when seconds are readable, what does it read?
10.33.07
